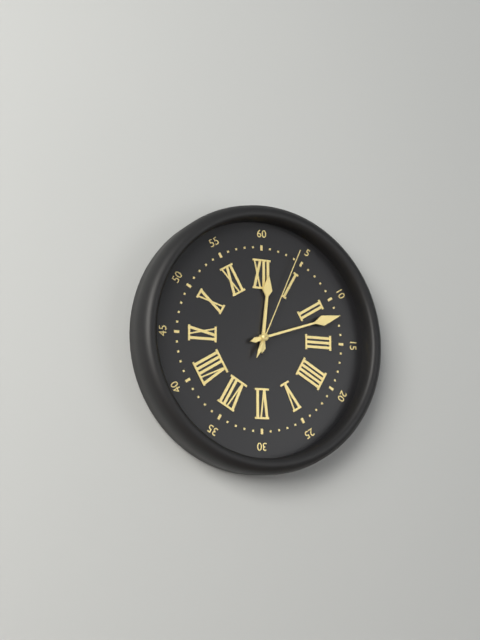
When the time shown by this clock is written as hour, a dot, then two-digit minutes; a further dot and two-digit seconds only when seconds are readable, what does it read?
12.12.04
